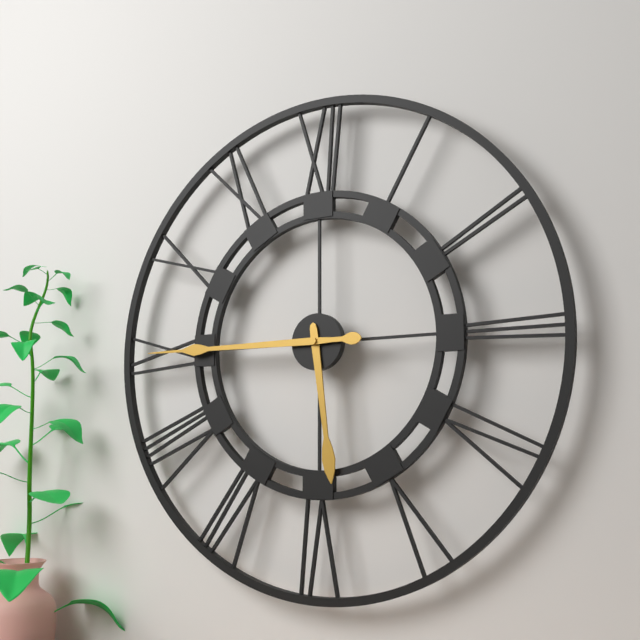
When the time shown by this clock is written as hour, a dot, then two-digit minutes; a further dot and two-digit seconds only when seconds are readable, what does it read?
5.45
